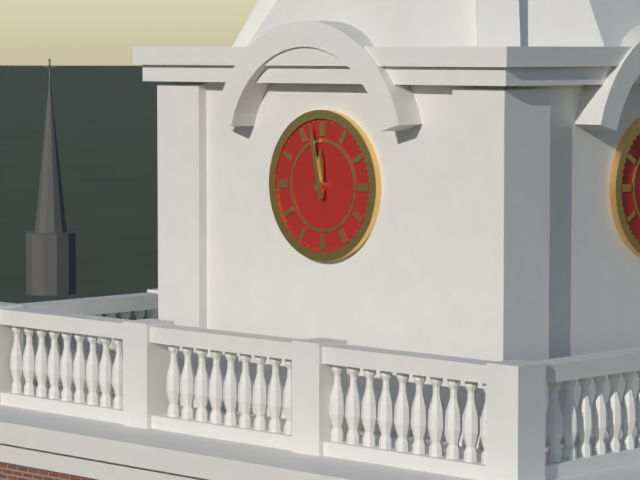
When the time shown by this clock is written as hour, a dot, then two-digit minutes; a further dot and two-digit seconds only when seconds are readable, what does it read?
11.58
